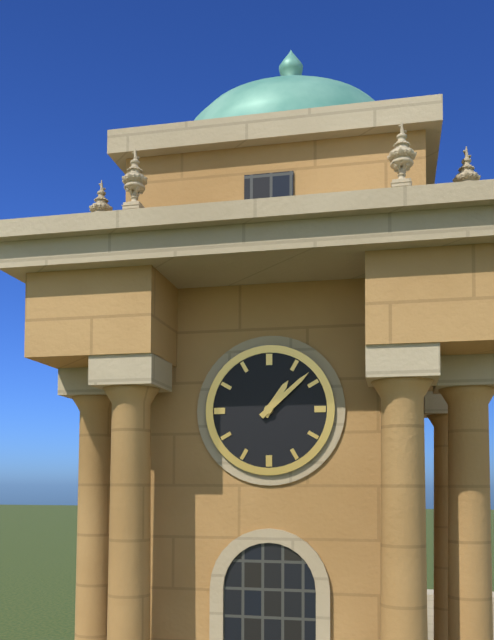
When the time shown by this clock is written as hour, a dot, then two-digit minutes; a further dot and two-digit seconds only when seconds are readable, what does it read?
1.08
